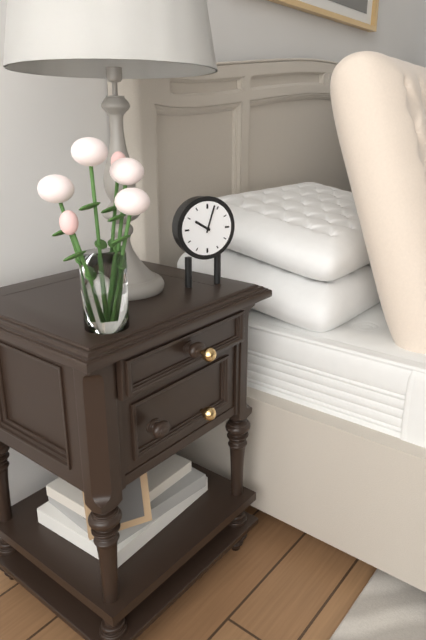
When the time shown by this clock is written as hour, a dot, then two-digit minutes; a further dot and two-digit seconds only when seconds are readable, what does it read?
10.03
